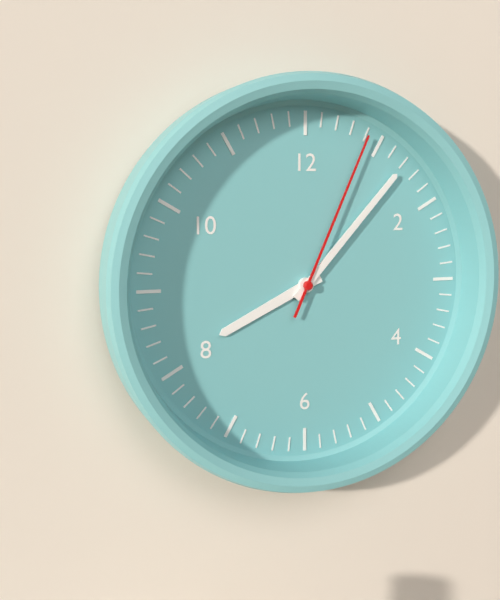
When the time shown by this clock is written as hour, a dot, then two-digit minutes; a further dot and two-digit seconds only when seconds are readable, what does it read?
8.07.04
